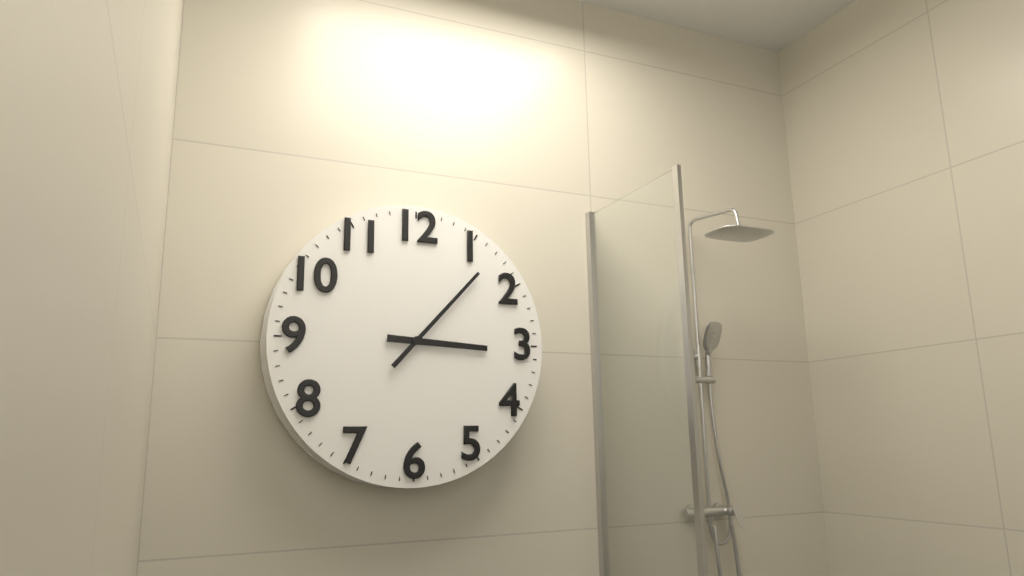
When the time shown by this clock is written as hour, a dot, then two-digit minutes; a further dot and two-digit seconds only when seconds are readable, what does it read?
3.07
